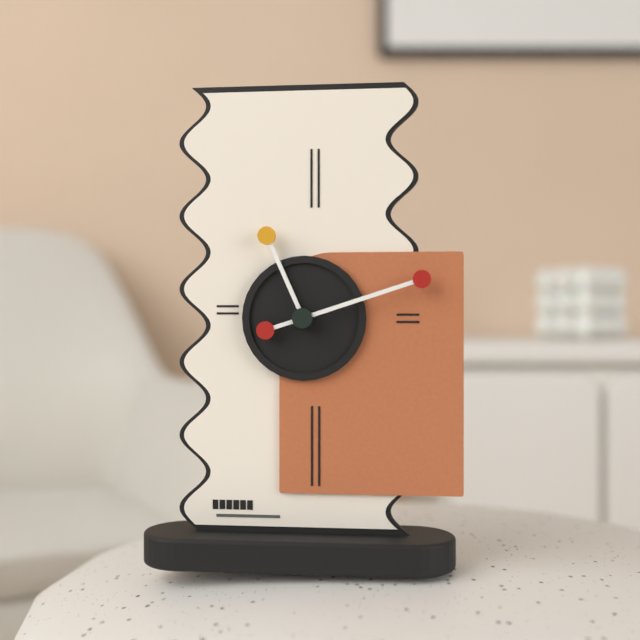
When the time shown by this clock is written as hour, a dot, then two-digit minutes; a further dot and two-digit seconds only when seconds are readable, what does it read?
11.12
